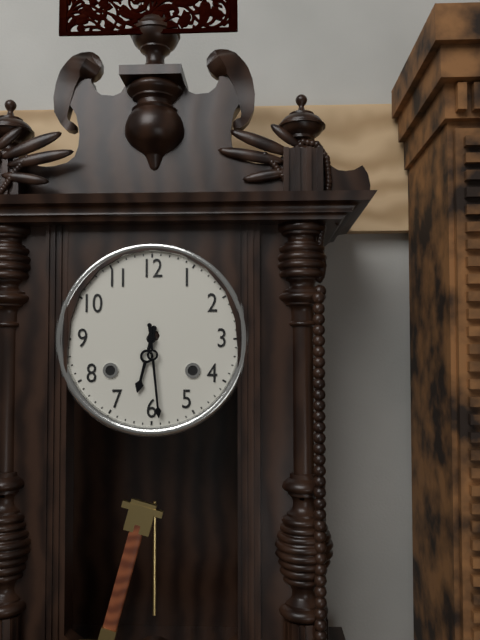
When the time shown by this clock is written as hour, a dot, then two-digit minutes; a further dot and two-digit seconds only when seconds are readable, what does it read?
6.29
